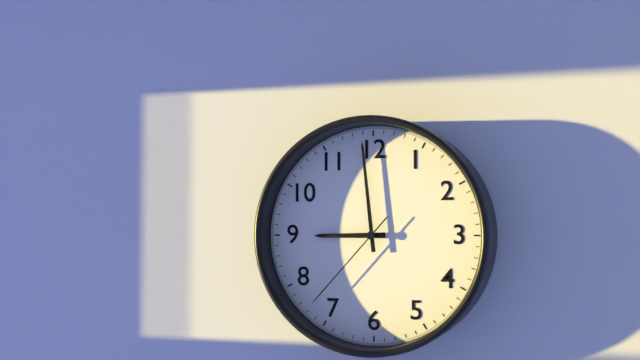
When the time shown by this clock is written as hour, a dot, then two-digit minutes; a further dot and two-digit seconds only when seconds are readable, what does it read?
8.59.37
